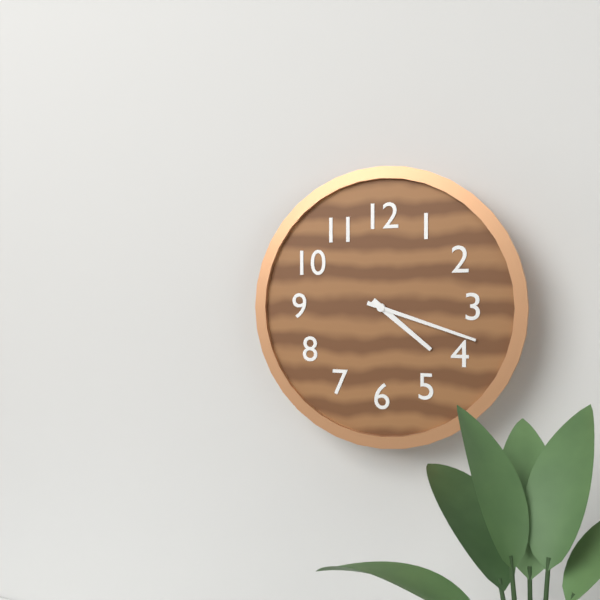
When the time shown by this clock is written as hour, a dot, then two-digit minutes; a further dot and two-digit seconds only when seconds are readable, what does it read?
4.18
